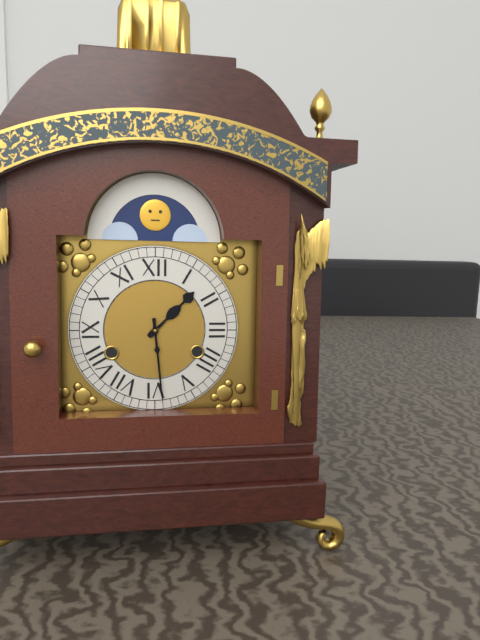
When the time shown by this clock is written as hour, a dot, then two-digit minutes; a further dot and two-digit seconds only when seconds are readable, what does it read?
1.29
